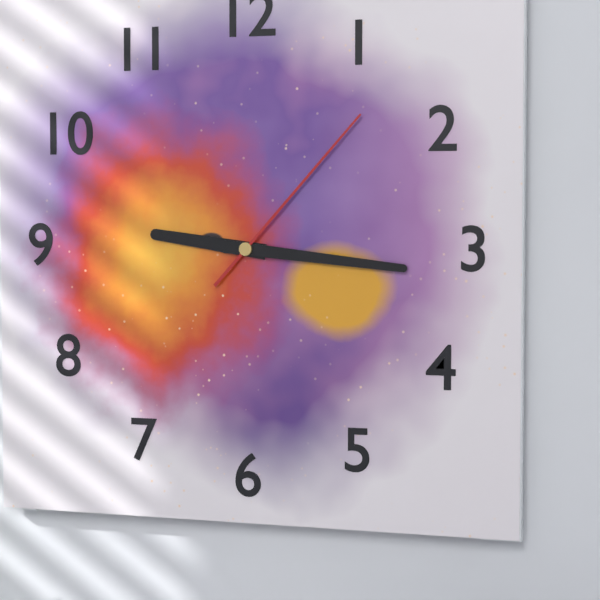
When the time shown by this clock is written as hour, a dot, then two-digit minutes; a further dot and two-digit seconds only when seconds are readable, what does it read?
9.16.07
